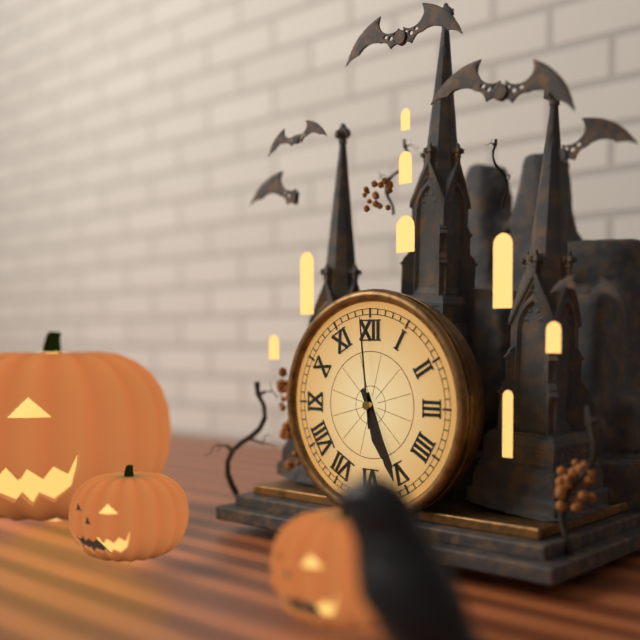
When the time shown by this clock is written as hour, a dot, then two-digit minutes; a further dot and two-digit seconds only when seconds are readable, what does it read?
5.26.59
